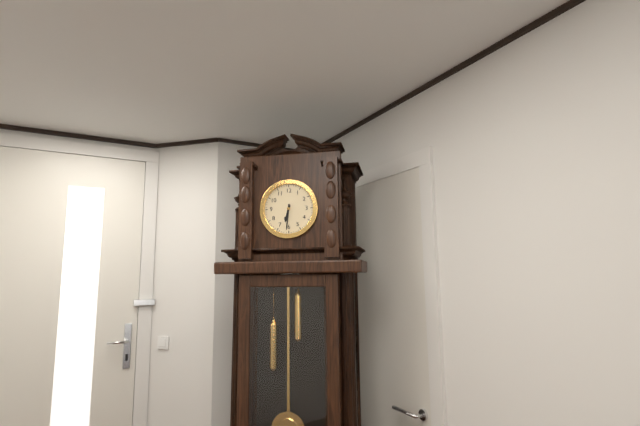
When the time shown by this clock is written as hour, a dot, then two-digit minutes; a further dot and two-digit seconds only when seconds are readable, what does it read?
6.31
